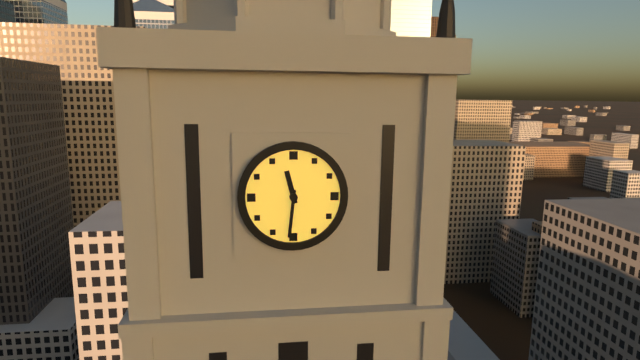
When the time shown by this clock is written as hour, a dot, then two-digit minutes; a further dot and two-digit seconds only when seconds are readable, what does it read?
11.31
